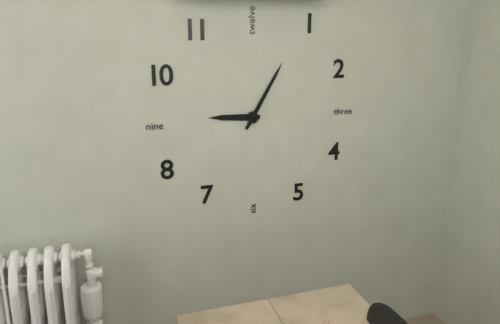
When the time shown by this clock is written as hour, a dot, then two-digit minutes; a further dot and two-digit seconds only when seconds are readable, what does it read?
9.05
